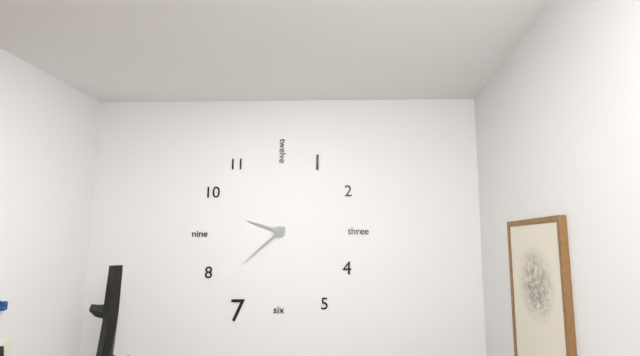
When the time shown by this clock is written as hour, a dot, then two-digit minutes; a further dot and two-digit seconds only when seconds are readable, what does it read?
9.38
